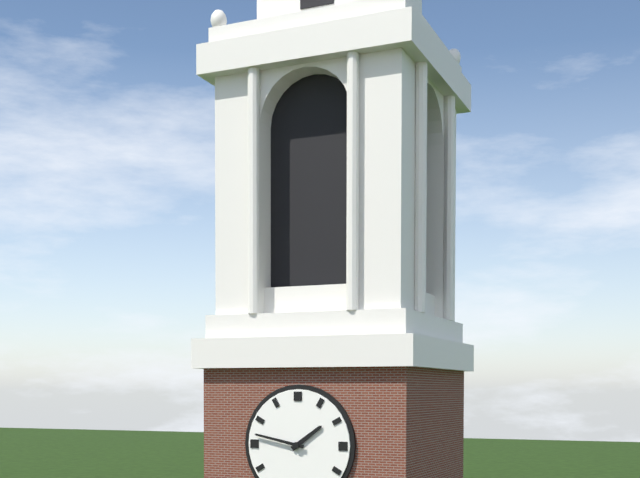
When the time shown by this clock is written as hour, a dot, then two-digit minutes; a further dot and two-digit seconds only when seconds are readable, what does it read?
1.47
